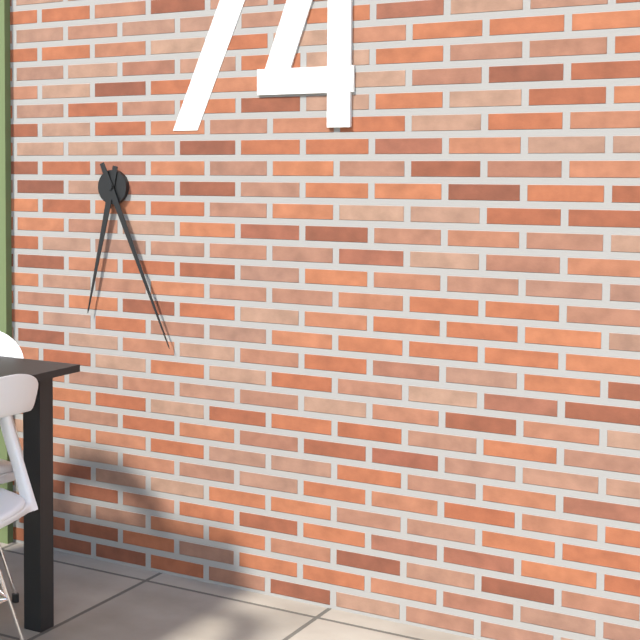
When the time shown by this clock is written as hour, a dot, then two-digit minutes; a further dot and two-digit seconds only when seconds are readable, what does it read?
6.26
